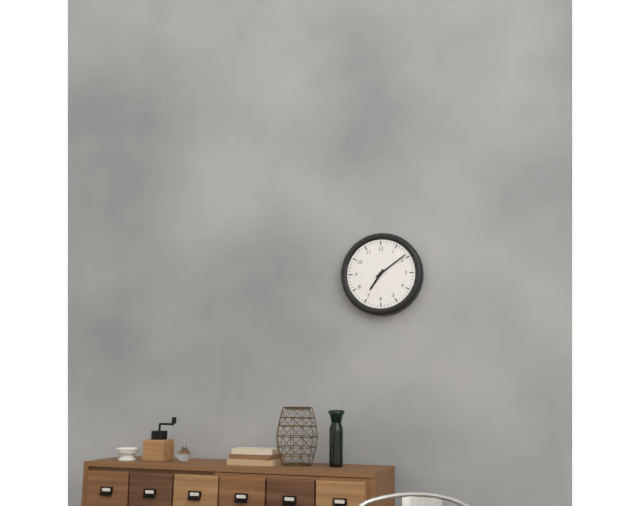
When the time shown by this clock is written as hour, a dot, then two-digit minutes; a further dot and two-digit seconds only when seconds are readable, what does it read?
7.09
